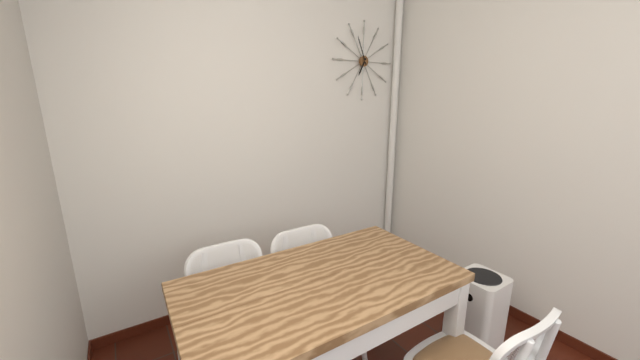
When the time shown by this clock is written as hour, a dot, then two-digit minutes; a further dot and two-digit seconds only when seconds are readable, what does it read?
6.56
